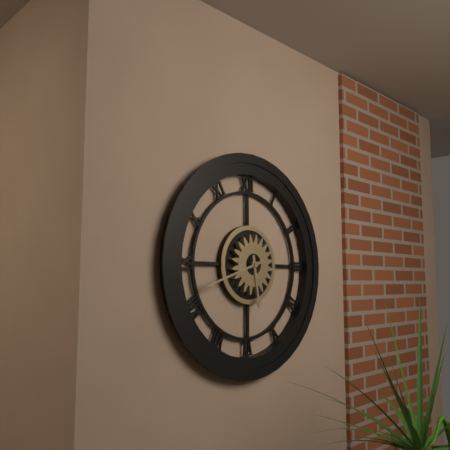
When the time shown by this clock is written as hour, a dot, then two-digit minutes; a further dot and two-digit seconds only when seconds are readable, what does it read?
5.42
